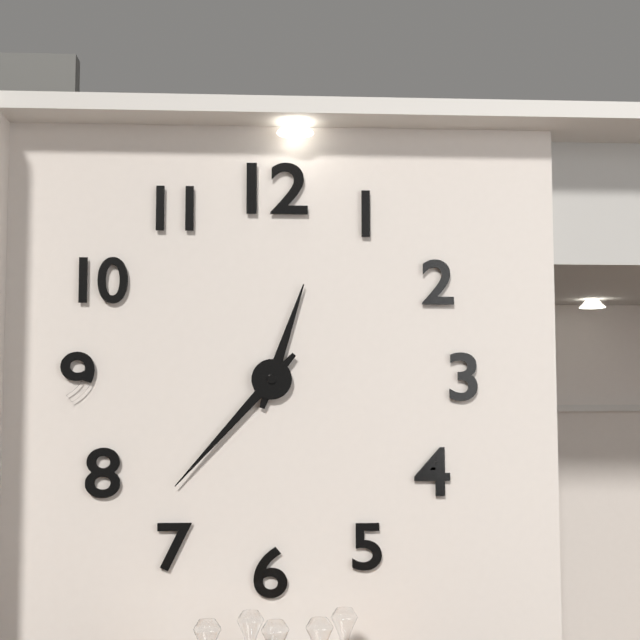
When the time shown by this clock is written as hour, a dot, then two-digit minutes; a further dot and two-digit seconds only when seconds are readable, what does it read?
12.37
